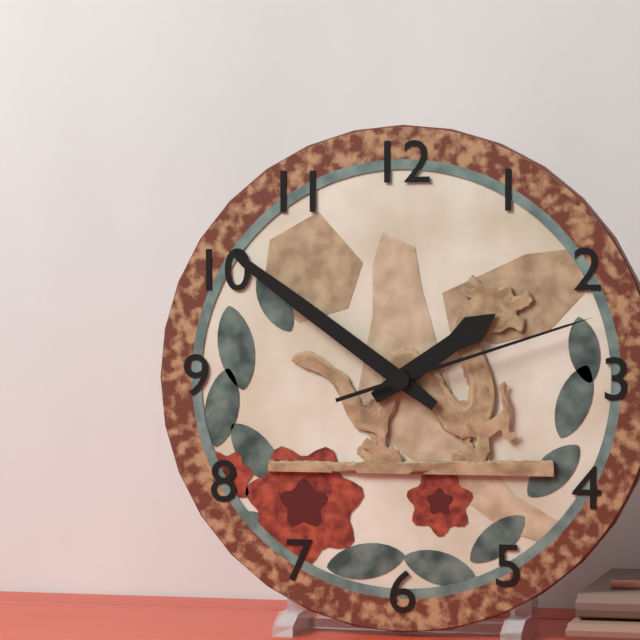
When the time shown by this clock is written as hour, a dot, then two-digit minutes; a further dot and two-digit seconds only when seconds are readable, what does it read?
1.51.12
